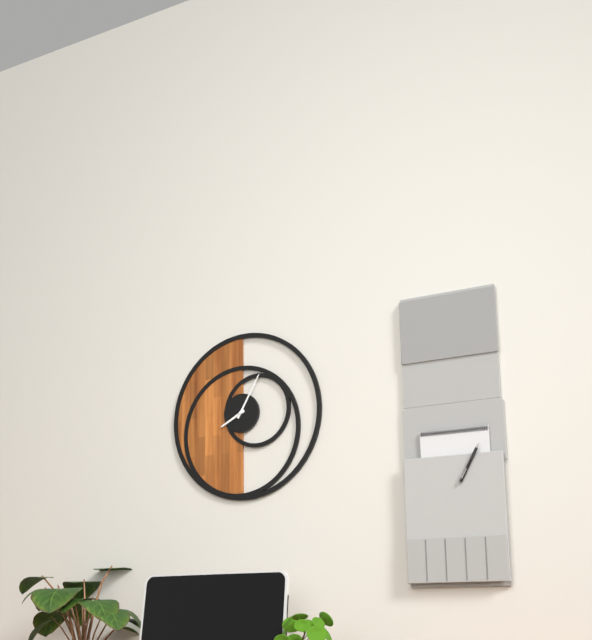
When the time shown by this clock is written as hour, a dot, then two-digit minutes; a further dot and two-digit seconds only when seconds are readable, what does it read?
8.05
